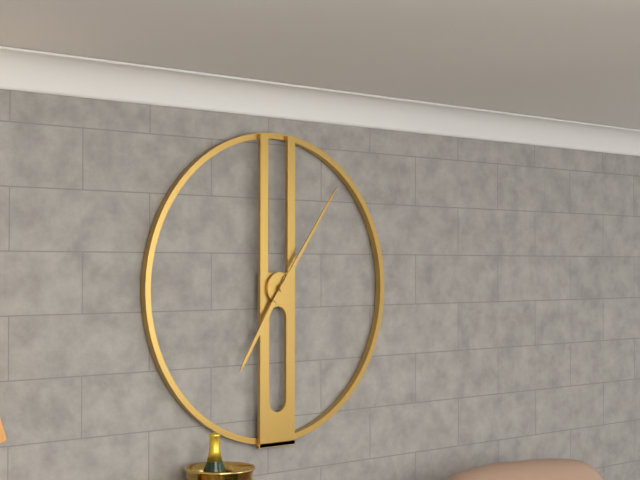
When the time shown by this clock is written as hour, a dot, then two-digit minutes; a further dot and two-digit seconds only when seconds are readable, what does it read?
7.06
